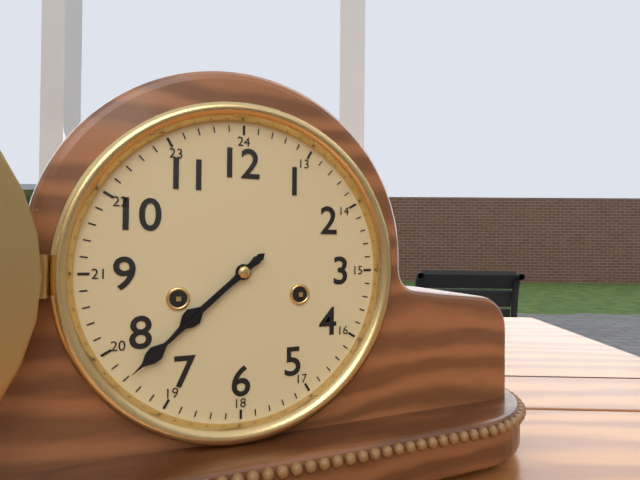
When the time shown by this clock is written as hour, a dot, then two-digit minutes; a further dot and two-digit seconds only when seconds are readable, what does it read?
7.38
